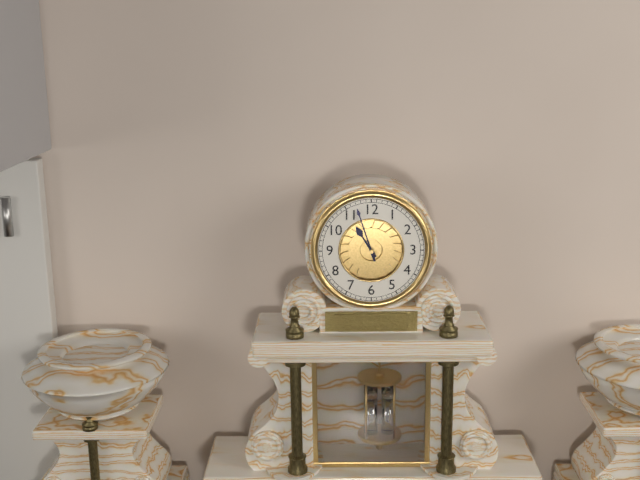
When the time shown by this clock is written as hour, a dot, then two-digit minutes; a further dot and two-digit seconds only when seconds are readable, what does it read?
10.57
